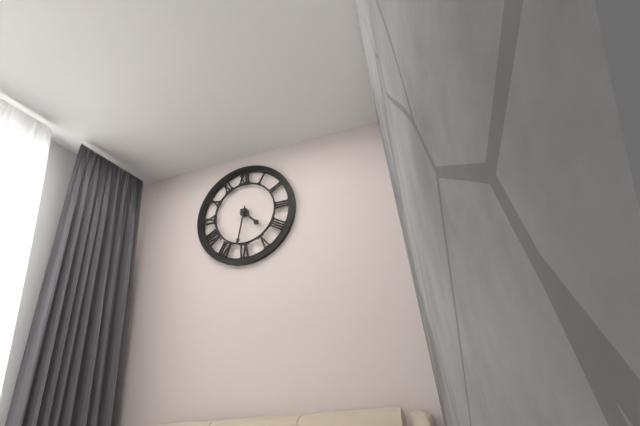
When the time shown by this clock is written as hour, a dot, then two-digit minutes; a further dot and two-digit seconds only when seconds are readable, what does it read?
4.32
